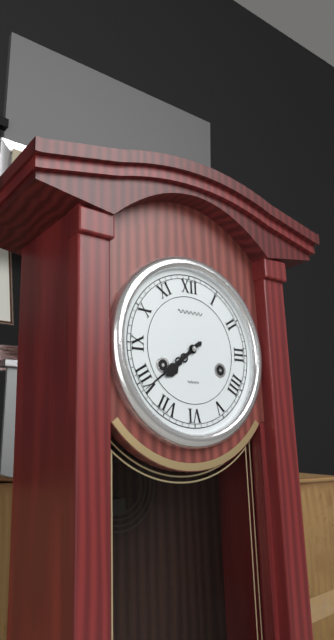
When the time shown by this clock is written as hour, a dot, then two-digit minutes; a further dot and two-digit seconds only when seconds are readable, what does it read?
7.39
